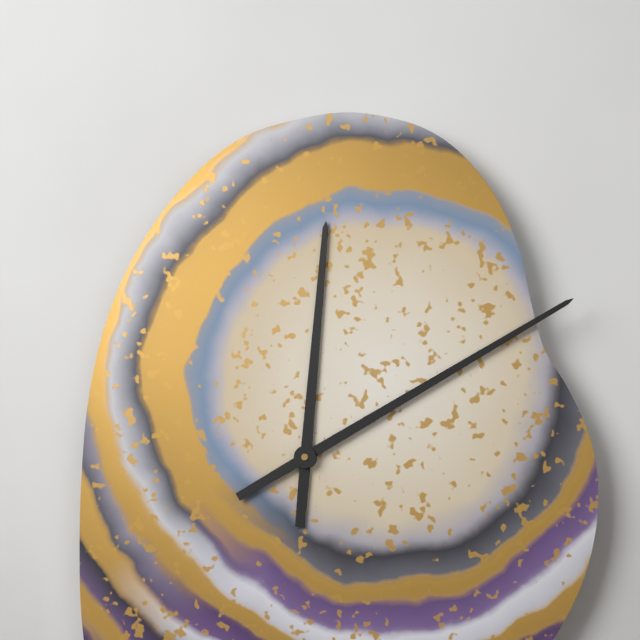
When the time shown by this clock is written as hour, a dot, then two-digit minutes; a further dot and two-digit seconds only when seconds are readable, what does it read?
12.10
